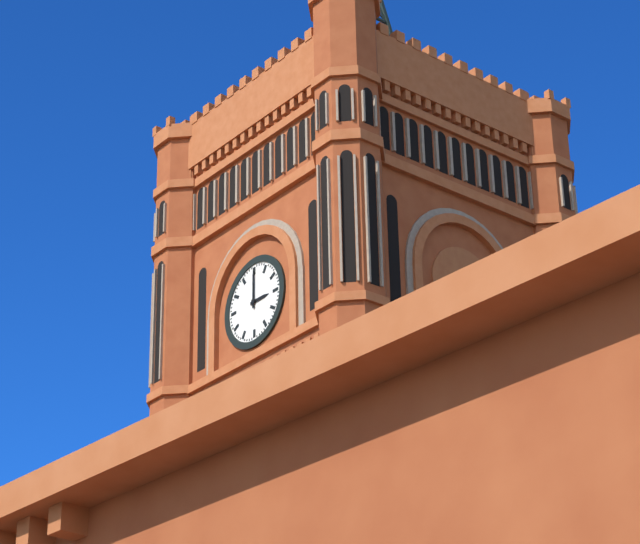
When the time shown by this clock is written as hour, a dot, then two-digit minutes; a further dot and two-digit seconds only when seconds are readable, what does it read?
3.00
